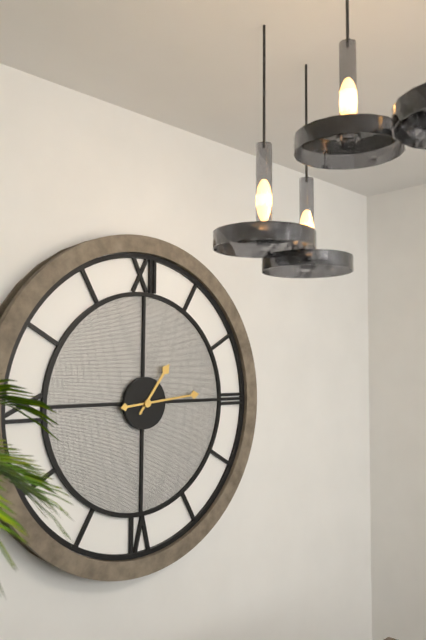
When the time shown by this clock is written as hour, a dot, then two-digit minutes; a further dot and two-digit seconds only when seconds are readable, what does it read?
1.14
